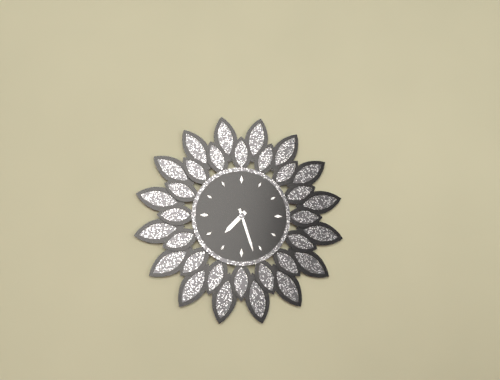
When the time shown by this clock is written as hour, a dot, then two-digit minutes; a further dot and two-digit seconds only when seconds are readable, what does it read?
7.27
